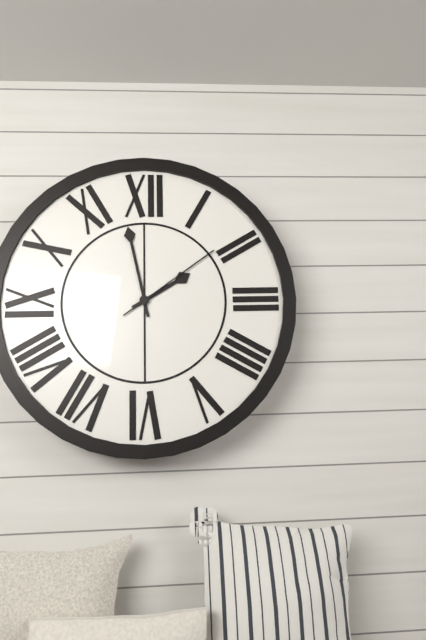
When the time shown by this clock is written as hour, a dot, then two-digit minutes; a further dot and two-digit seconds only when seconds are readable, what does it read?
1.58.09
